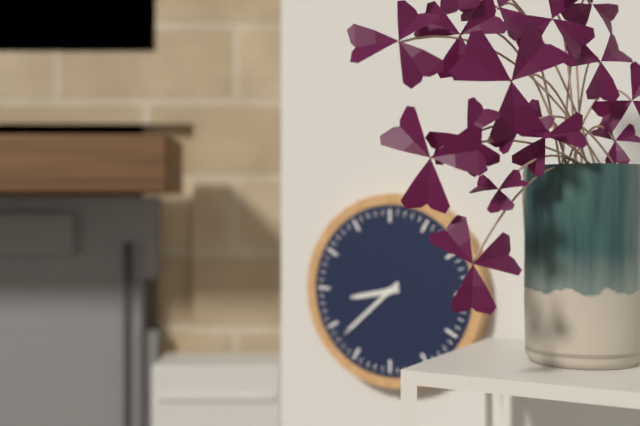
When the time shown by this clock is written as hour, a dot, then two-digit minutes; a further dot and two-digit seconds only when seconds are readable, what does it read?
8.38
